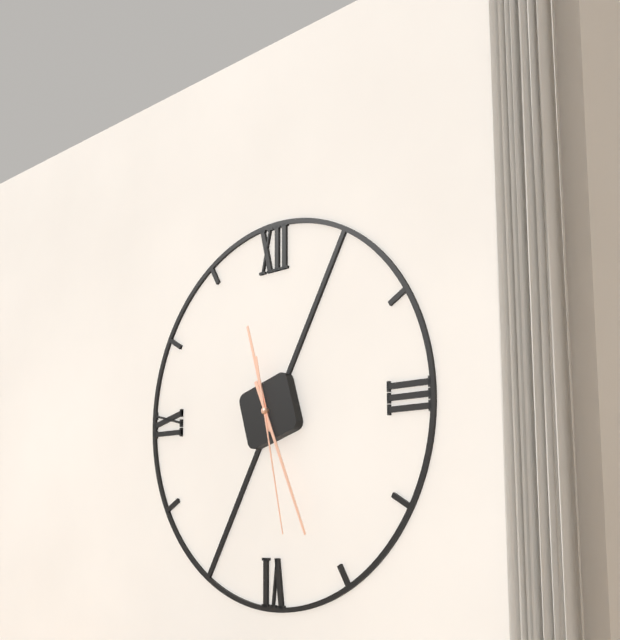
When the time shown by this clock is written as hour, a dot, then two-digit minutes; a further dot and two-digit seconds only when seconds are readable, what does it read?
11.26.28
